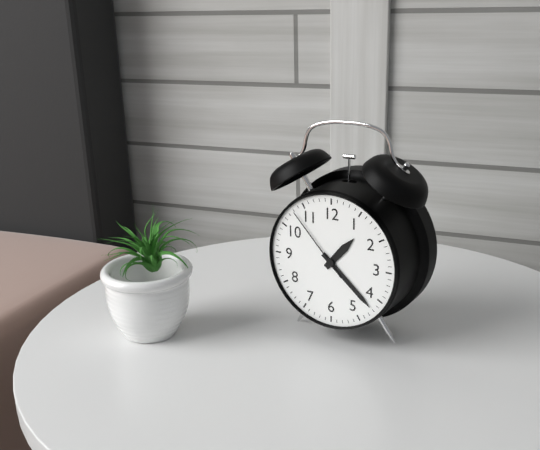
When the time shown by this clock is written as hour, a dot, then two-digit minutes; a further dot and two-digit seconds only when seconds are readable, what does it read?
1.22.53
